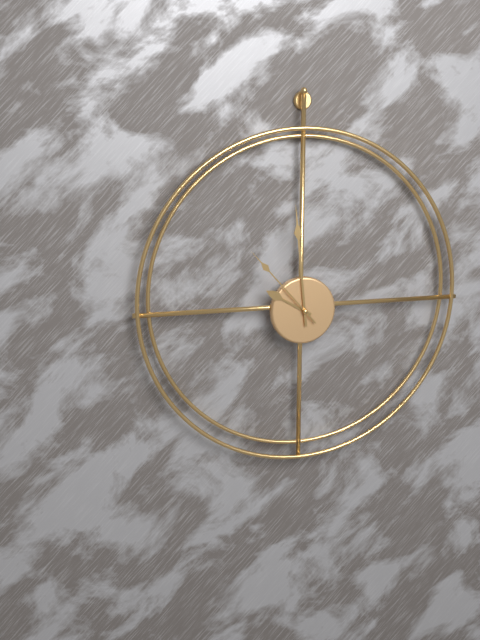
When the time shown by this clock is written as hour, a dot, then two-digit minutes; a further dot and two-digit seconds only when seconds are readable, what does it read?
9.59.53
